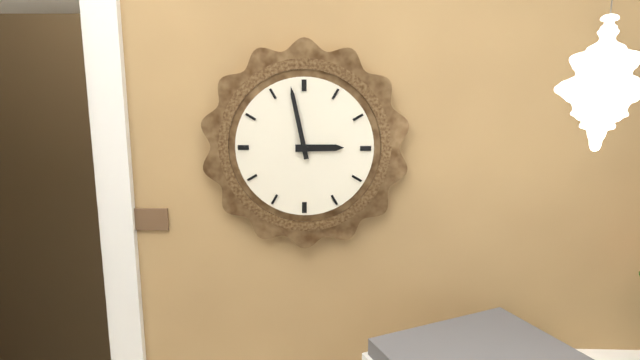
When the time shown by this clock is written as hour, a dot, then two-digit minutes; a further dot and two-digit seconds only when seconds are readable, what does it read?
2.58
